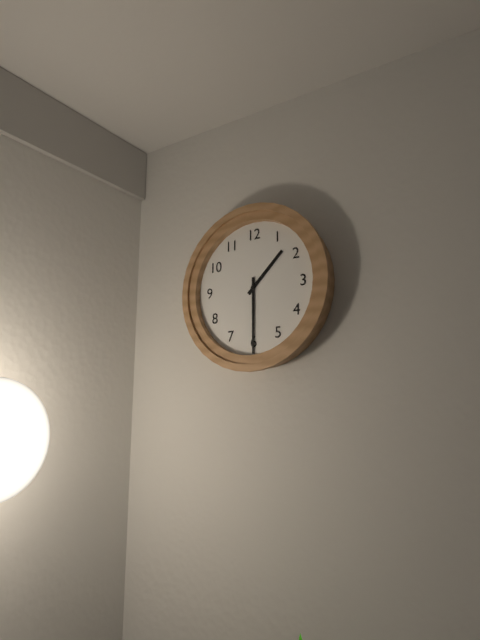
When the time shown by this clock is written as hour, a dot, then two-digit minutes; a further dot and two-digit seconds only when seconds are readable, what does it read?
1.30
